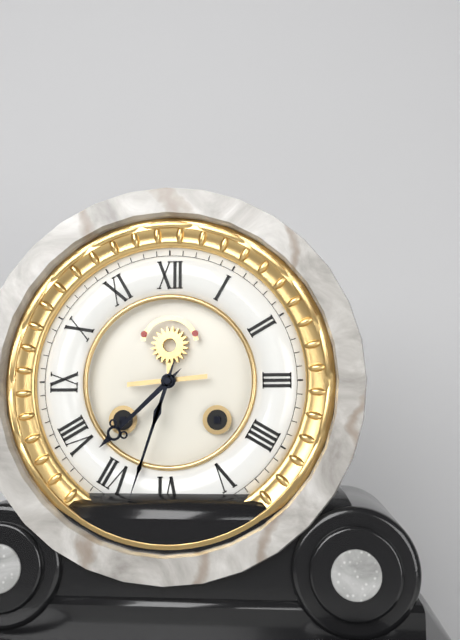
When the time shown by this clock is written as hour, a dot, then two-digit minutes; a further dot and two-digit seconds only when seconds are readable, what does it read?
7.33
